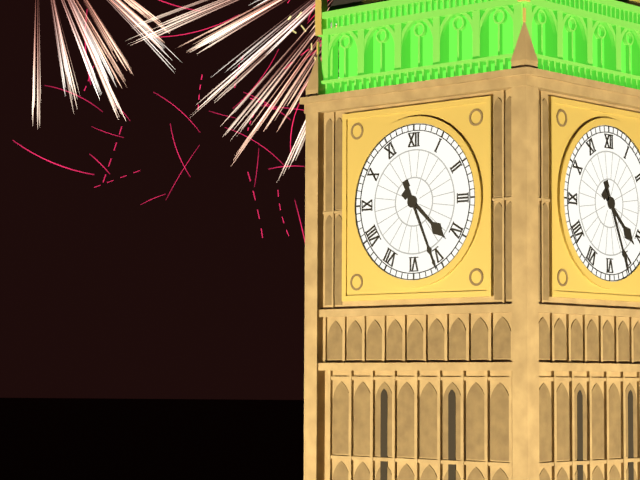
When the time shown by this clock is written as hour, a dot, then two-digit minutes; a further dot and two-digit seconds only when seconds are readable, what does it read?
4.26
